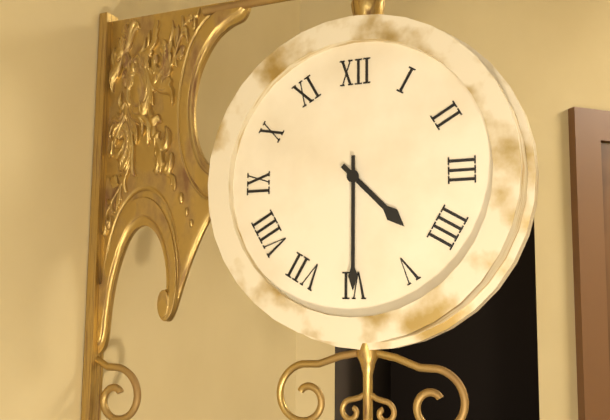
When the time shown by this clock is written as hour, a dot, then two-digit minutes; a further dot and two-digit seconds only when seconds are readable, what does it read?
4.30
